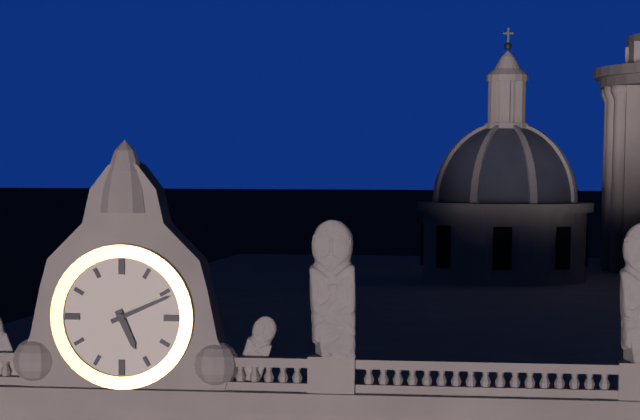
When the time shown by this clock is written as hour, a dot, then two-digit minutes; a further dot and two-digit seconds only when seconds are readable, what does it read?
5.11
